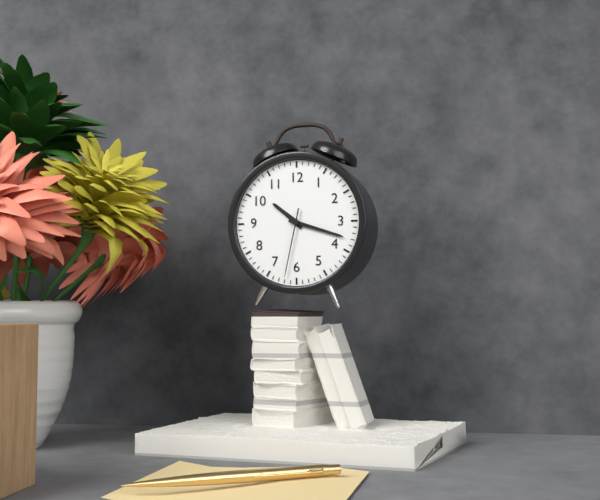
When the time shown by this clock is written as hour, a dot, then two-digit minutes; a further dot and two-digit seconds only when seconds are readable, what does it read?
10.18.32
